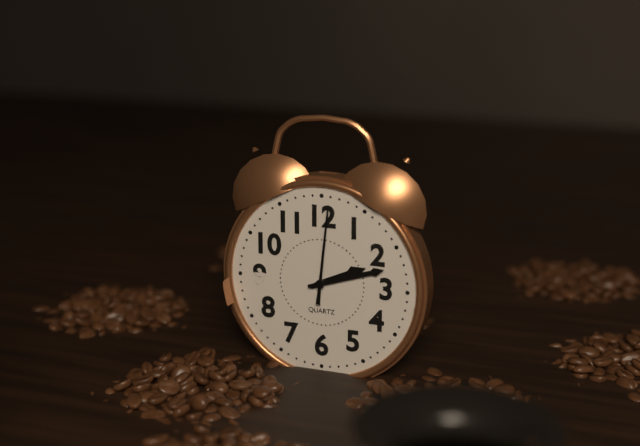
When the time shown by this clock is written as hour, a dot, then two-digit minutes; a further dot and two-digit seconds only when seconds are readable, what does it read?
2.12.01
